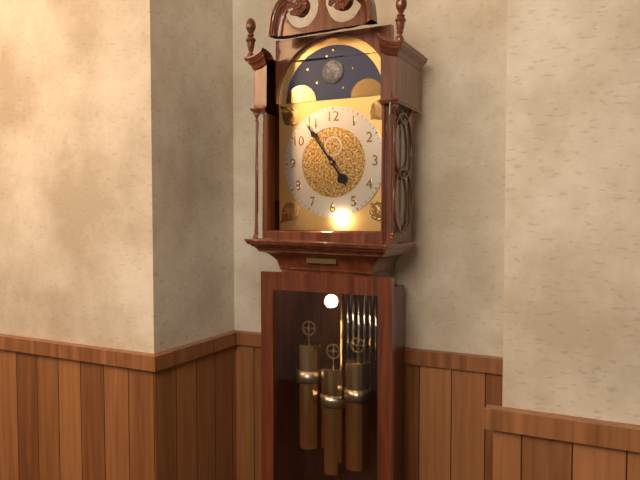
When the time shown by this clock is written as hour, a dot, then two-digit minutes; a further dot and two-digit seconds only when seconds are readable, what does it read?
4.54
